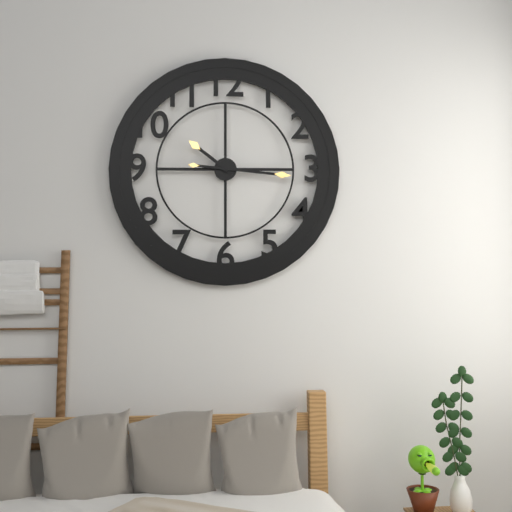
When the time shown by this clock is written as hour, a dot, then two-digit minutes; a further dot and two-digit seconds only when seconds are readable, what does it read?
10.16
